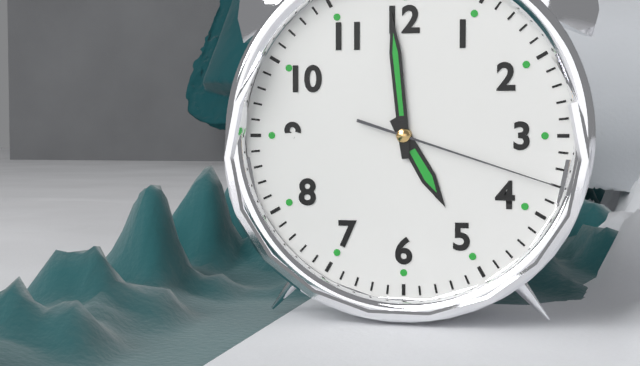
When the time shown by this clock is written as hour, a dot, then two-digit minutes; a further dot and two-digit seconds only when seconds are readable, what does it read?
4.59.18
